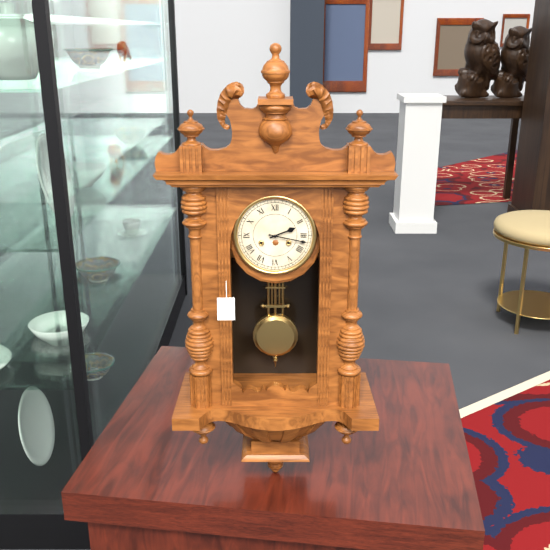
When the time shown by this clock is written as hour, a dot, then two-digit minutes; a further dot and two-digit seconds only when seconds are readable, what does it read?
2.17
